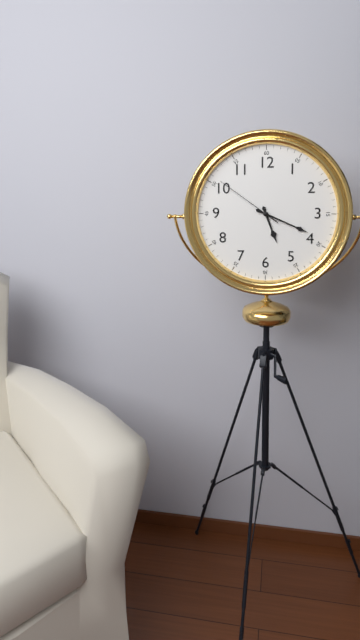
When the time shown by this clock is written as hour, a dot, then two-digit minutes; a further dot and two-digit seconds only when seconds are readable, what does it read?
5.19.51
